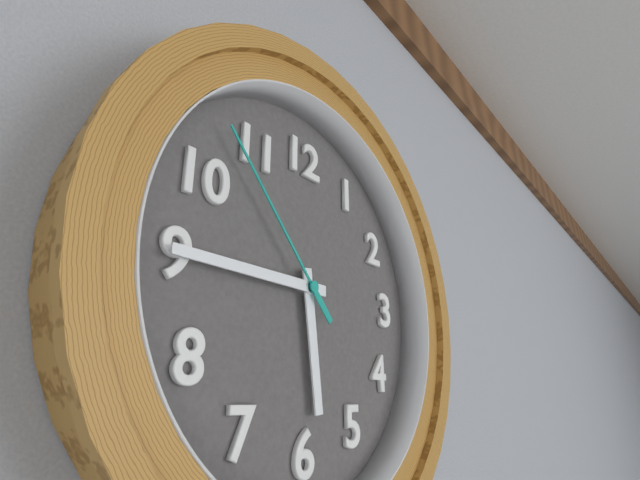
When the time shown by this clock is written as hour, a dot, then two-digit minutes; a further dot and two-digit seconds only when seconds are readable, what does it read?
5.45.53
